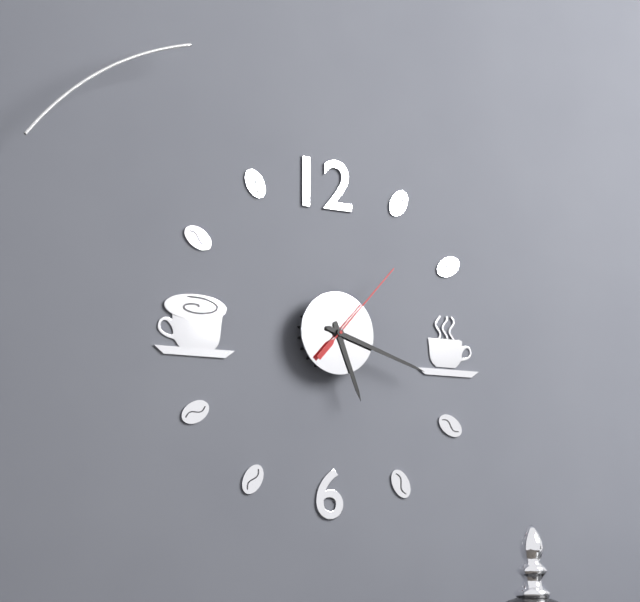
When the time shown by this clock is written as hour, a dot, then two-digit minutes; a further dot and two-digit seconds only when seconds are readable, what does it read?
5.18.07
